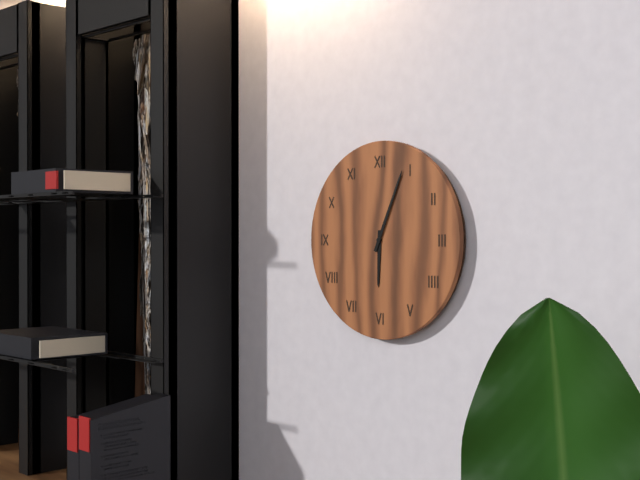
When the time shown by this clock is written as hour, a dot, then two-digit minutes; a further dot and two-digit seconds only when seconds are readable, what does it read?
6.04
